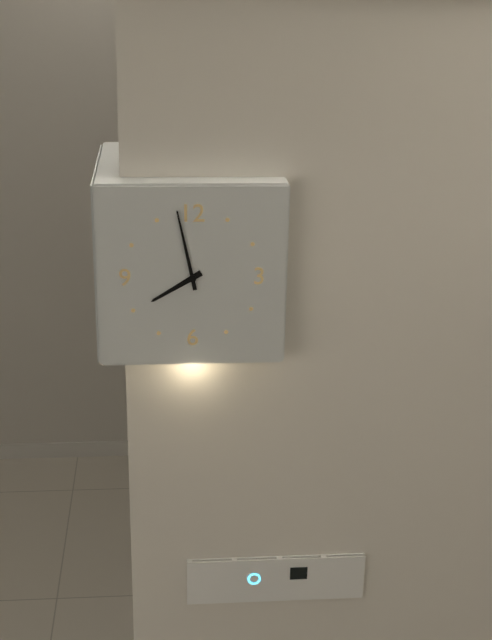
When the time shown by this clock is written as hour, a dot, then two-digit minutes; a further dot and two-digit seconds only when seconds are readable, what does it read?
7.58
